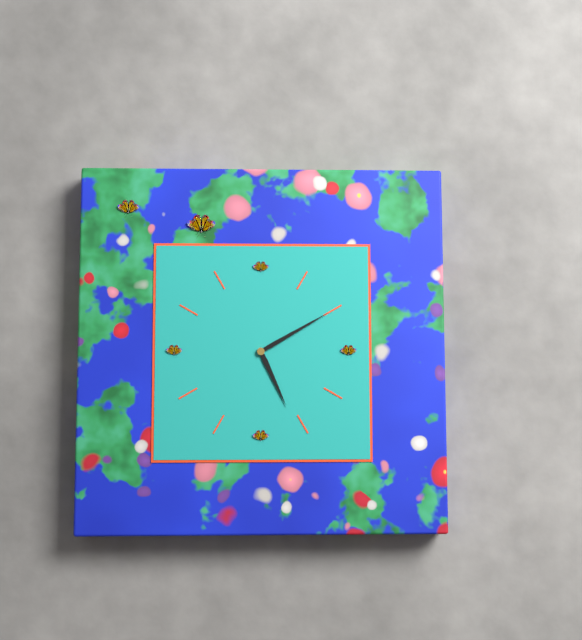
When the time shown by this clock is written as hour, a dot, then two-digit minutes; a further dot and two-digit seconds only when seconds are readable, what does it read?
5.10
